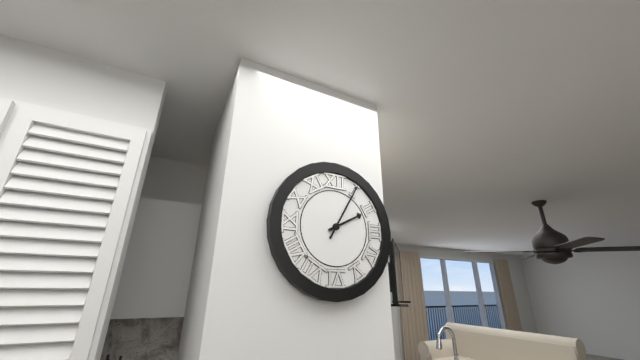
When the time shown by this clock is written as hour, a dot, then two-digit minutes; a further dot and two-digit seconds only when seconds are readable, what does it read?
2.05
